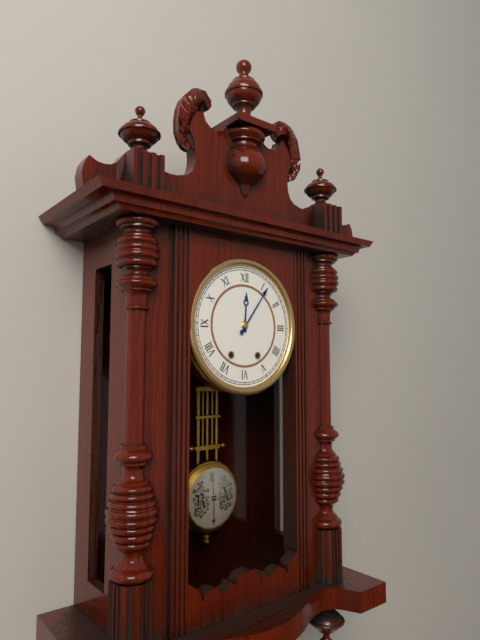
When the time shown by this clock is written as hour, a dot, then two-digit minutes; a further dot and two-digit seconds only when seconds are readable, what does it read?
12.06
